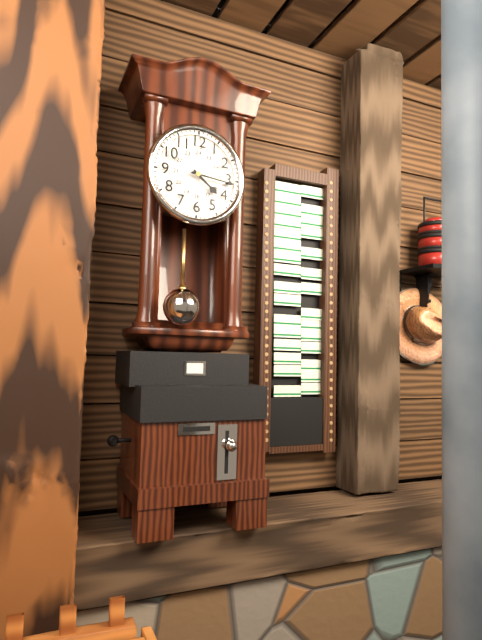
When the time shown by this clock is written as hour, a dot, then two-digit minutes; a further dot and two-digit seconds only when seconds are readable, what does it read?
4.16
